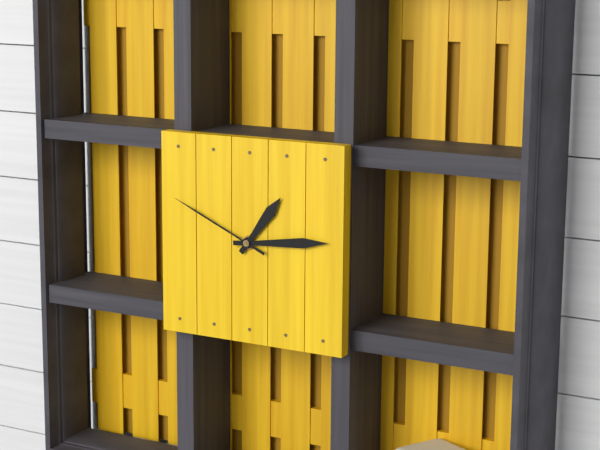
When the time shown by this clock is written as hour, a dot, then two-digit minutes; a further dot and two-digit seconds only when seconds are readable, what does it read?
1.14.49
